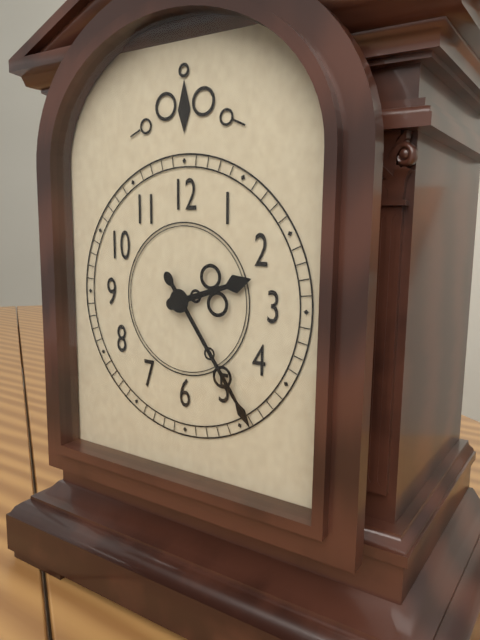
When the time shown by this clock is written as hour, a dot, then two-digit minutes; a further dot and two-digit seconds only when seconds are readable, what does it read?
2.24
